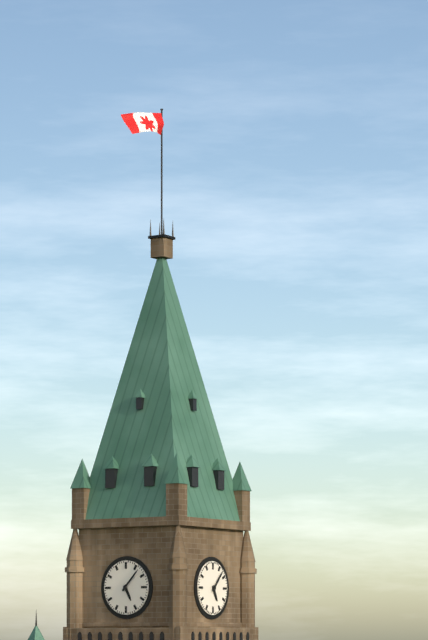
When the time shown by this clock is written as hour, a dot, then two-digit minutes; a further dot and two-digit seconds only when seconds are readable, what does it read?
5.07
